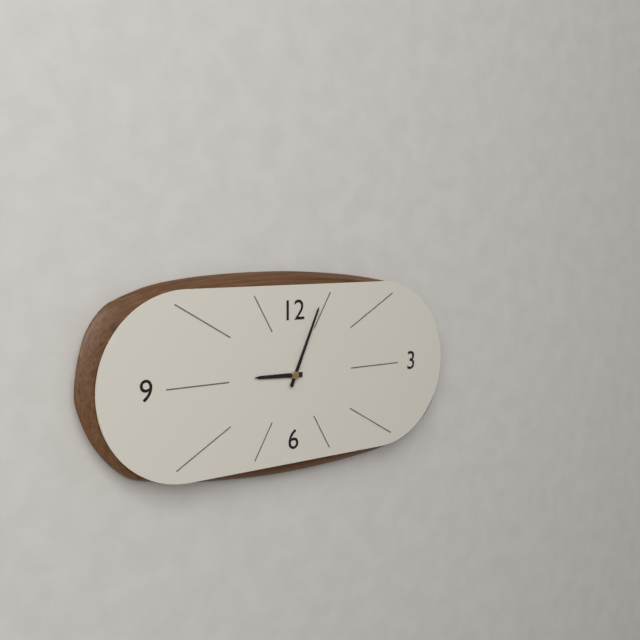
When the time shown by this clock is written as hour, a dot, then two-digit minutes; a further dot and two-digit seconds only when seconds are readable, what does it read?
9.04
